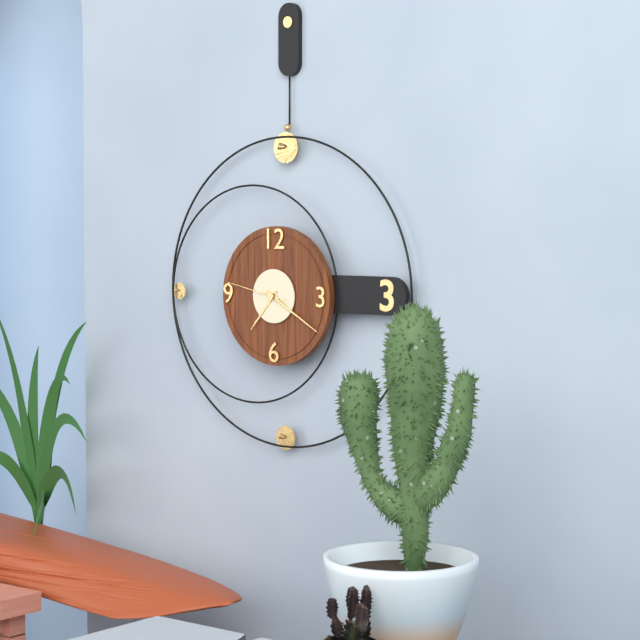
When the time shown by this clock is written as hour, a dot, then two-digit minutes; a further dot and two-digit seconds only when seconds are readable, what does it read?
7.20.47
